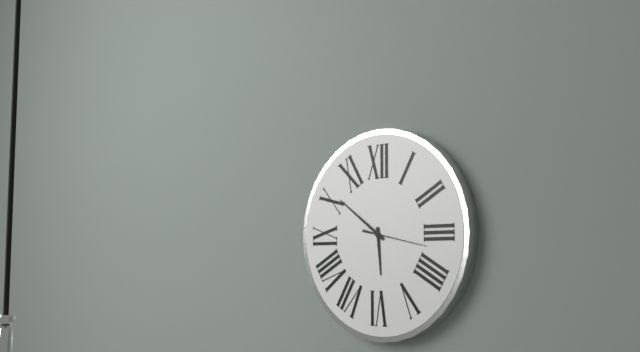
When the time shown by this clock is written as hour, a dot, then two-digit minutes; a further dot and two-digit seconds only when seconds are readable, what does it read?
5.51.17
